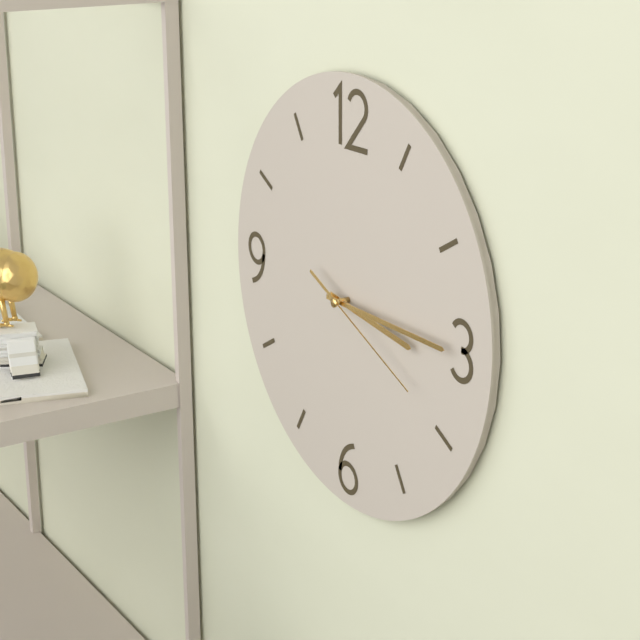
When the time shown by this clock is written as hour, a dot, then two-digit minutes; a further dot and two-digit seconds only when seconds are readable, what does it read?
3.15.19
